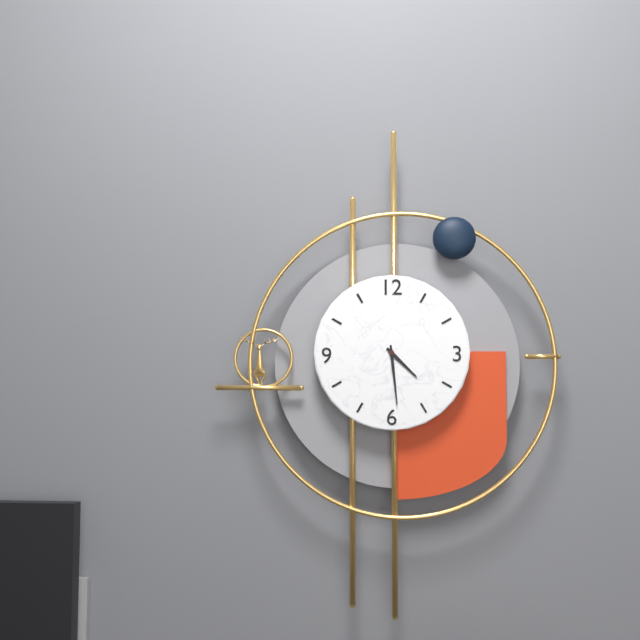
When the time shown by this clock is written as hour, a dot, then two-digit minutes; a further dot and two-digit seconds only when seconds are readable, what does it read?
4.29
